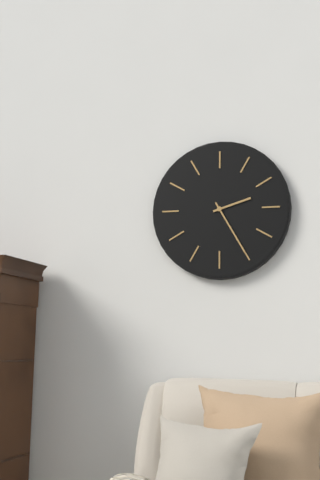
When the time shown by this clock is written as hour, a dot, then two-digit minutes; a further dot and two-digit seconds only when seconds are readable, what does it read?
2.25
